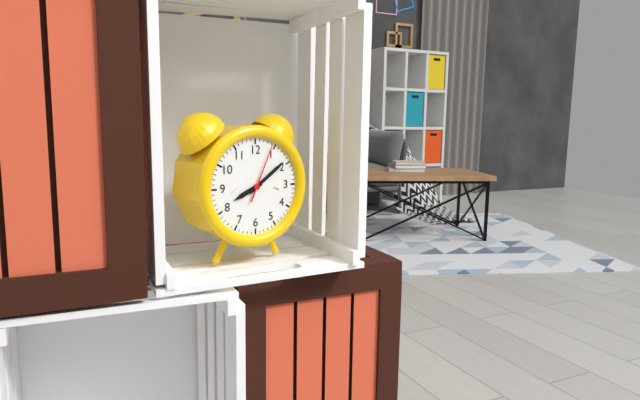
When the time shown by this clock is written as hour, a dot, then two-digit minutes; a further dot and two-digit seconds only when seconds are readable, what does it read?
8.09.04
